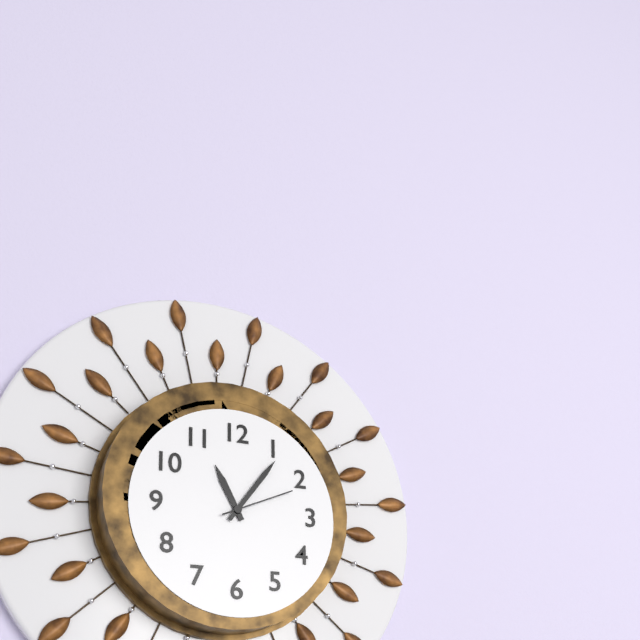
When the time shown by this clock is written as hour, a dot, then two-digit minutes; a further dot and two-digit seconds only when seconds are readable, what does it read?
11.06.11
